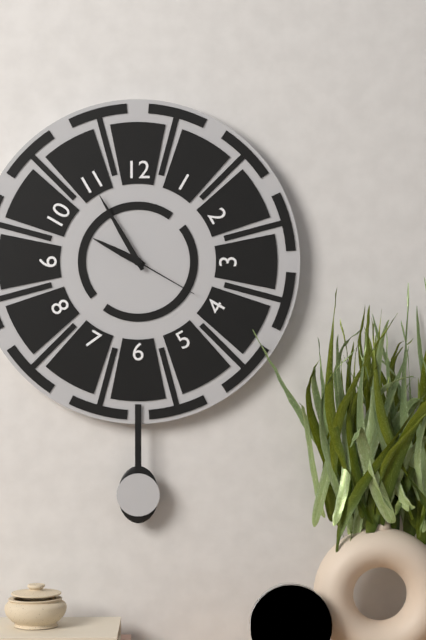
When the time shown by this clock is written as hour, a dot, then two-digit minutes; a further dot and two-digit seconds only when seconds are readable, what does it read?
9.55.20
